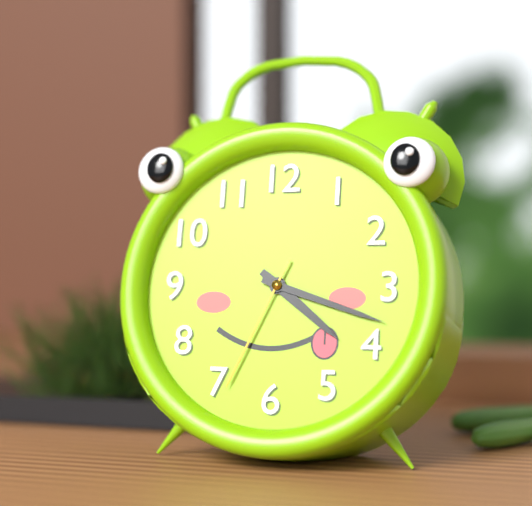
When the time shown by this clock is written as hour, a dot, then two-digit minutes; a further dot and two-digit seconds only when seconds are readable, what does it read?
4.18.34
